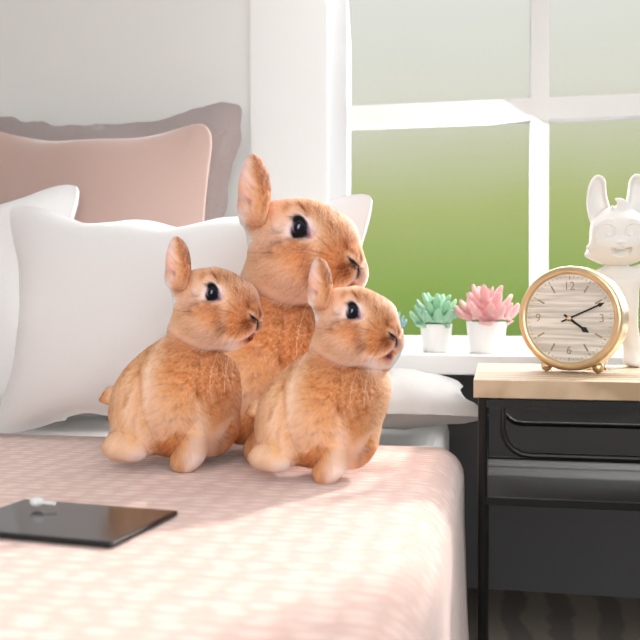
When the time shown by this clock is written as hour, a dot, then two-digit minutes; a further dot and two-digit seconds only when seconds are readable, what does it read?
4.11
